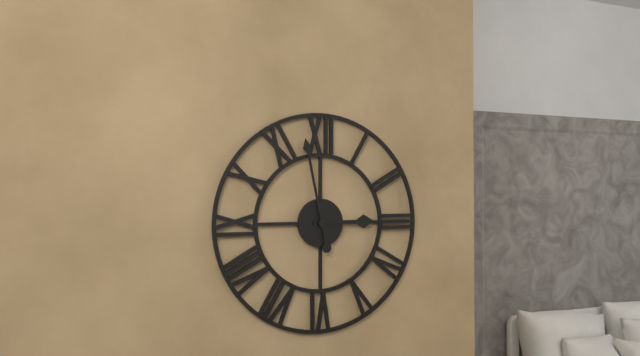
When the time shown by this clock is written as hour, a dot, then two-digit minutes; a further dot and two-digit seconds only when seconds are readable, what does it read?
2.58
